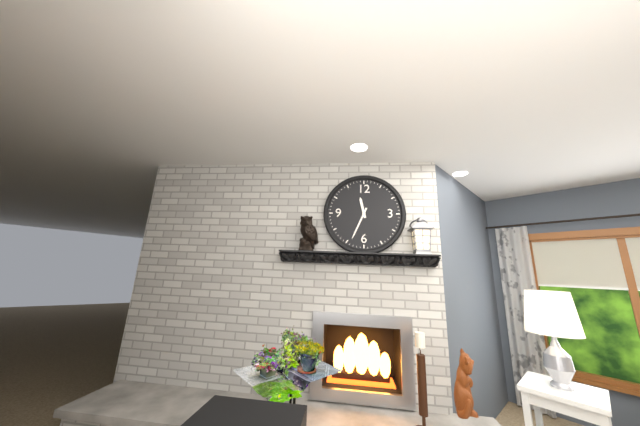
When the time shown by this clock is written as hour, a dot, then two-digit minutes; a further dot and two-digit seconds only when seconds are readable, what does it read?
11.34
